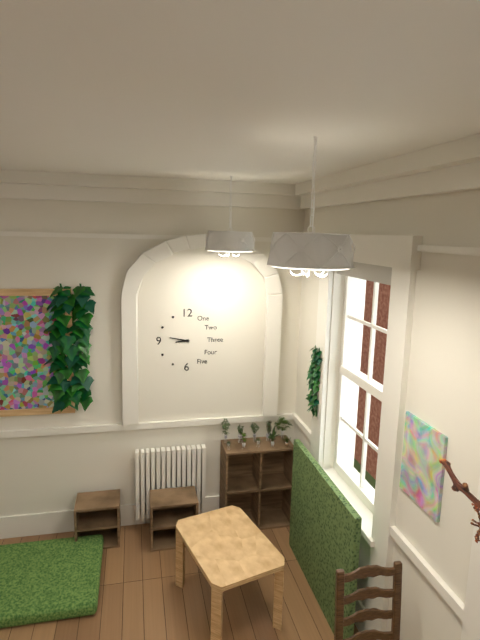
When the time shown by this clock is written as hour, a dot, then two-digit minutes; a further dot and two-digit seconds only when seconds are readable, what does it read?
8.47
